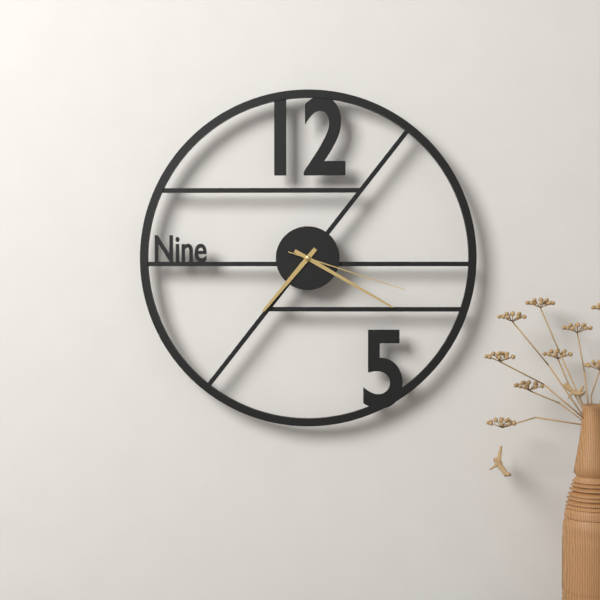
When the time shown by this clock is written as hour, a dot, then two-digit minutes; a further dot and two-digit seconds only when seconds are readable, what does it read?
7.20.18
